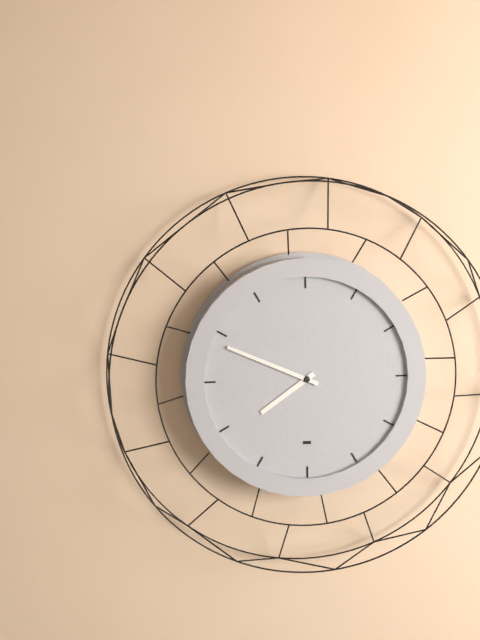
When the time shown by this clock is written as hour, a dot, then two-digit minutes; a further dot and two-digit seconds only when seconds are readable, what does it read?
7.49
